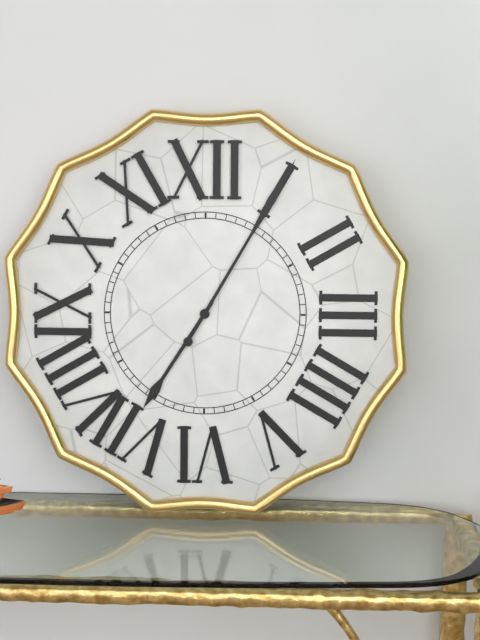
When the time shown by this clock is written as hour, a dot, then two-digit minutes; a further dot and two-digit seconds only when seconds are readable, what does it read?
7.05
